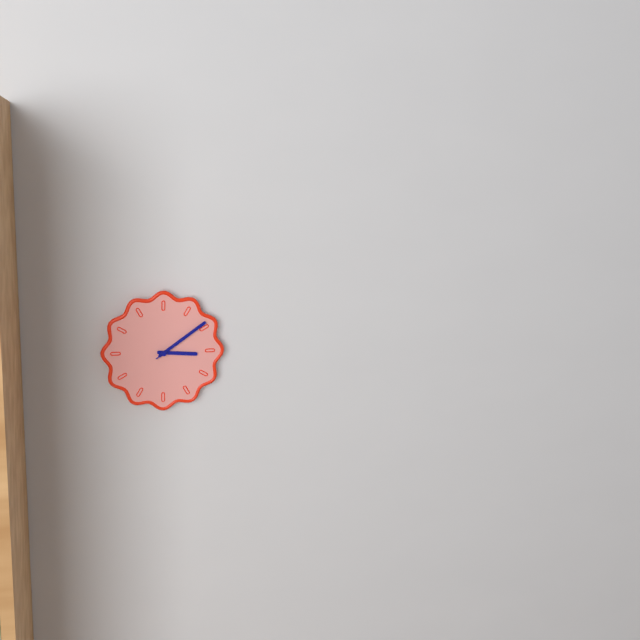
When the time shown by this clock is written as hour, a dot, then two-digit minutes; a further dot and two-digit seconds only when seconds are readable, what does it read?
3.09.09
